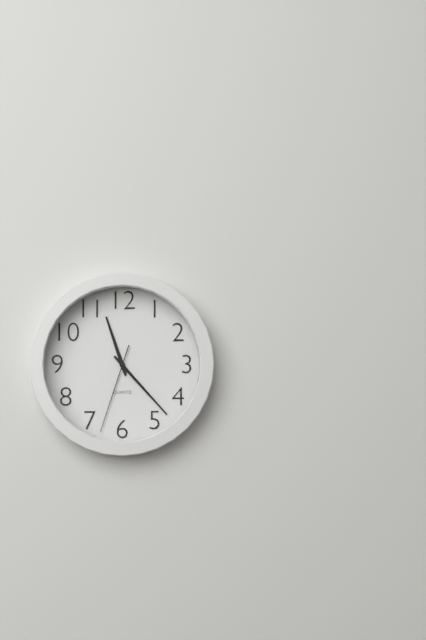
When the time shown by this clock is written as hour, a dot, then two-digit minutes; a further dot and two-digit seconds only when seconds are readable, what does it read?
11.23.33
